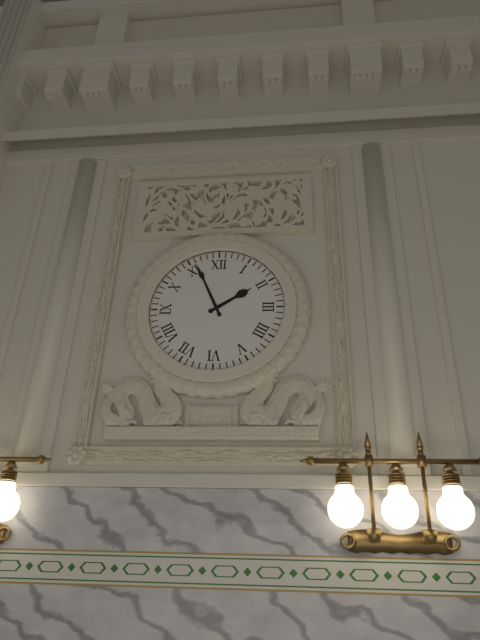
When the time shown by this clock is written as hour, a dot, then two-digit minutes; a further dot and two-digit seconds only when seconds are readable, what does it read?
1.56
